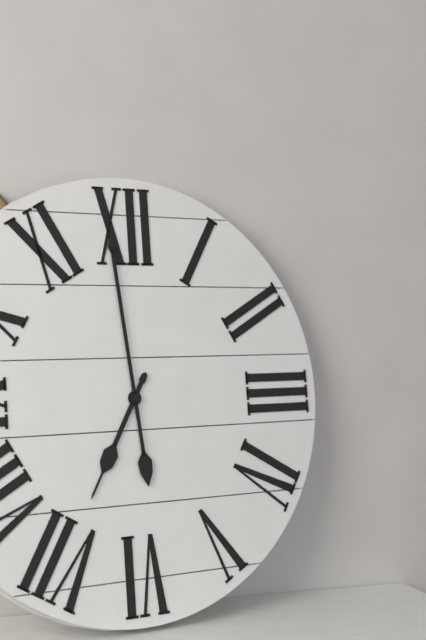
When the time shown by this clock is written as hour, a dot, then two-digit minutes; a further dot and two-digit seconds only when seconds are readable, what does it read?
6.59
